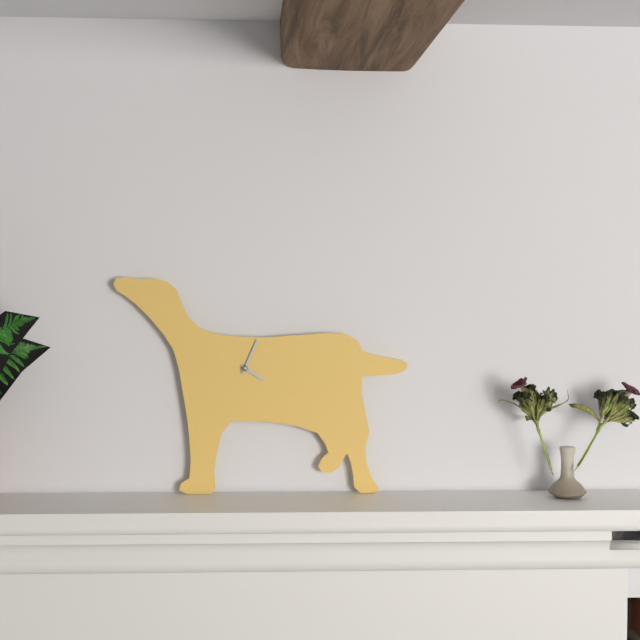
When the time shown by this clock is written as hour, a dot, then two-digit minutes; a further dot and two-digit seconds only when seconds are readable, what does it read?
4.04
